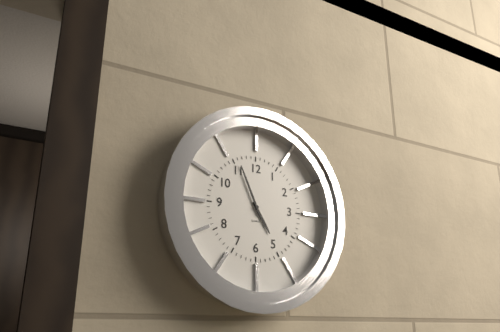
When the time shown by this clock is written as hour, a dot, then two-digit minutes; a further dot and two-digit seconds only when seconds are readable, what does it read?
4.56
